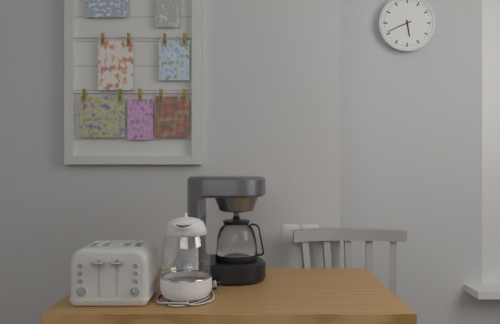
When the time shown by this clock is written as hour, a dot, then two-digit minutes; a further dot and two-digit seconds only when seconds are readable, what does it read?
5.41
